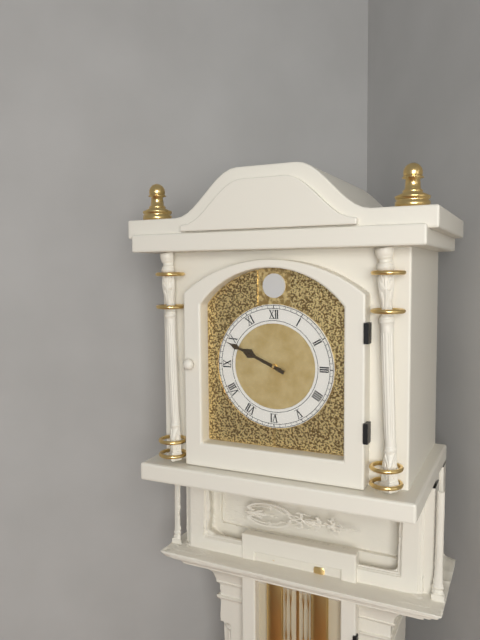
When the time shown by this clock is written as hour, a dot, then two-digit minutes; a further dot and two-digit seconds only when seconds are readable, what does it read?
9.49
